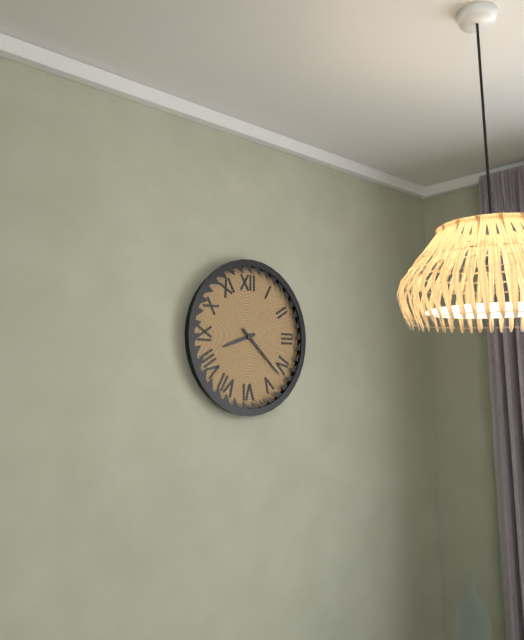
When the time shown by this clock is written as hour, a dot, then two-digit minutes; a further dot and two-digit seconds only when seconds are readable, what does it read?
8.22
